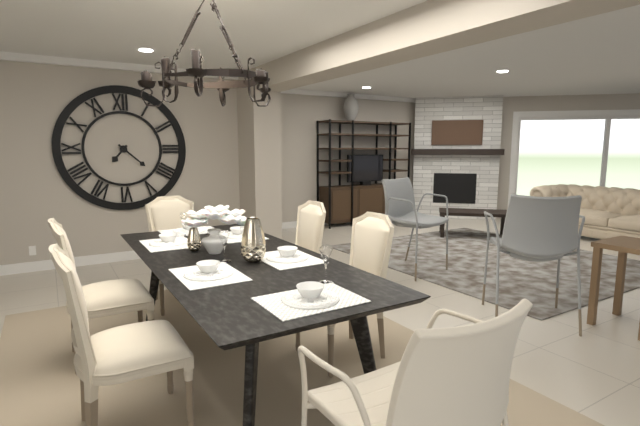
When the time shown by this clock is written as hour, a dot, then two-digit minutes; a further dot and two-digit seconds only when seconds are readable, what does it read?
7.22
